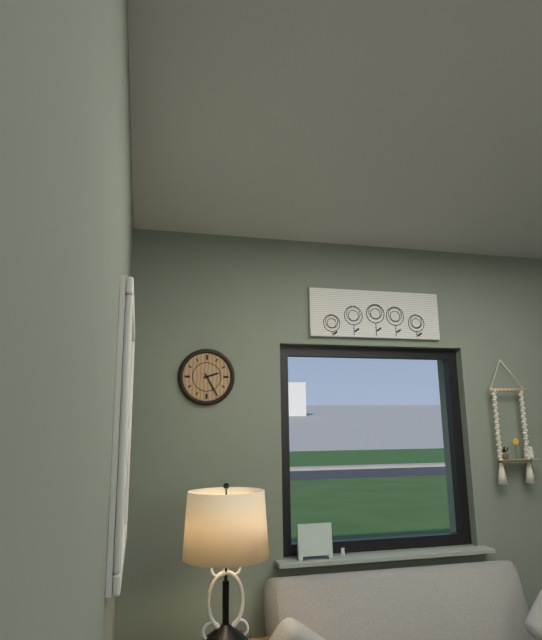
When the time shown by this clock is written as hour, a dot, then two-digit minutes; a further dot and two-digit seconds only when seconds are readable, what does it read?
2.25
